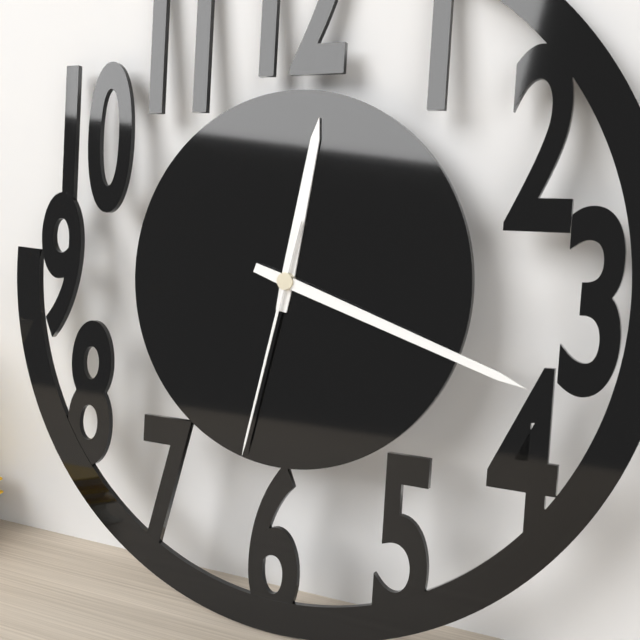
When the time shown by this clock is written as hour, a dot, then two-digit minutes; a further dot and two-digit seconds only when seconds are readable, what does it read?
12.18.32
